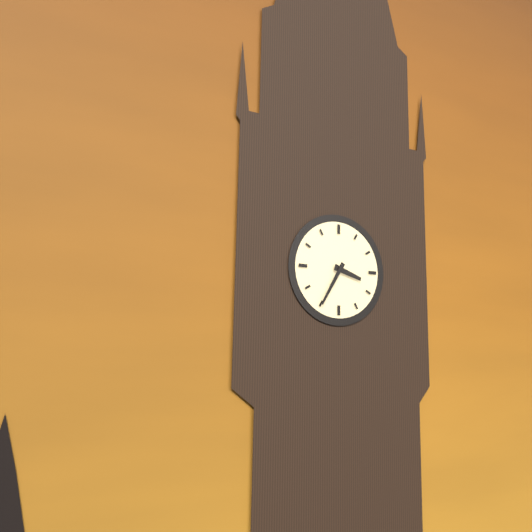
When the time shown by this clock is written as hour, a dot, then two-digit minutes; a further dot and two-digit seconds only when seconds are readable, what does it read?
3.35
